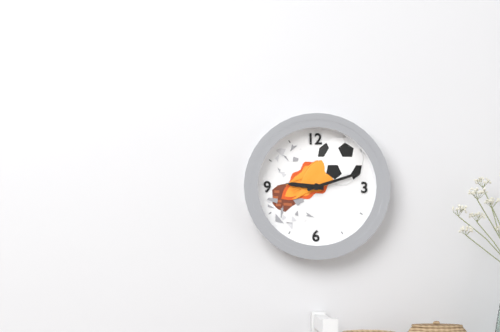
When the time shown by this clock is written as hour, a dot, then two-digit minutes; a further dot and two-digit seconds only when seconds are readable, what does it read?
9.12
